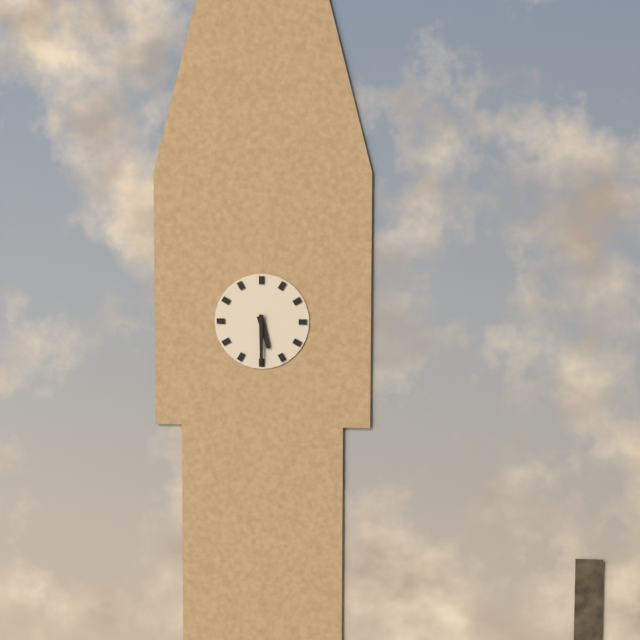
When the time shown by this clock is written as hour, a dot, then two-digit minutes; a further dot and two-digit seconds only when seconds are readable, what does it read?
5.30
